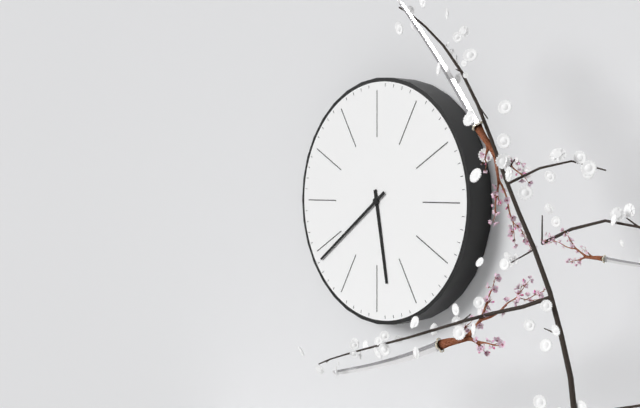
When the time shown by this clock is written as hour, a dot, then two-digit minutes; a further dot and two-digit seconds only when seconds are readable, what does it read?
5.39
